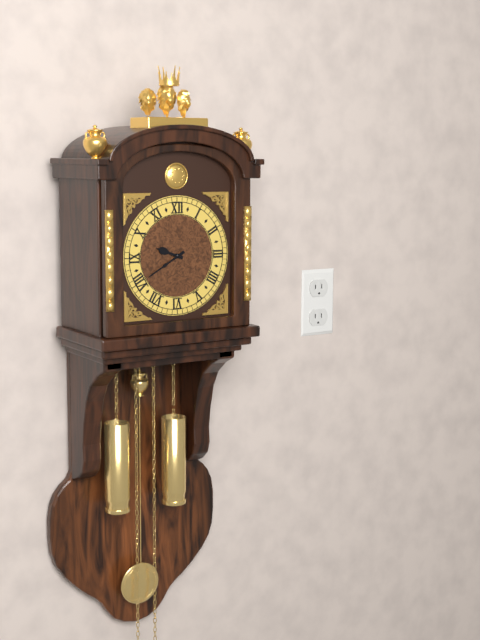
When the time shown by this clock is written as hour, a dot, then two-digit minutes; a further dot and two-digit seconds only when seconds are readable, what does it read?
9.40
